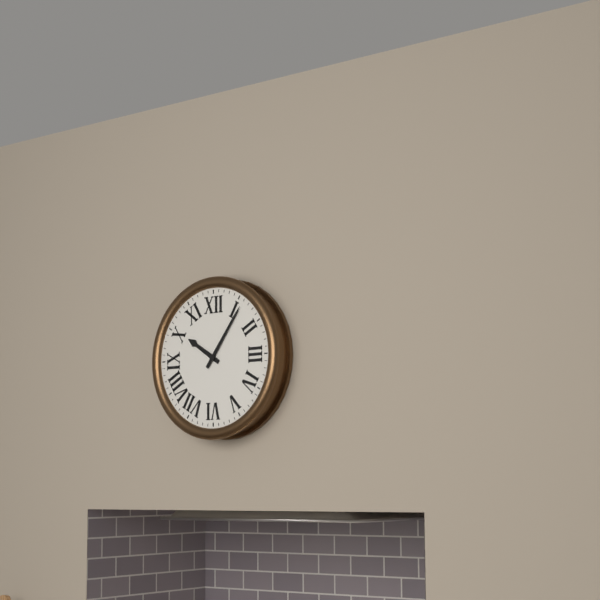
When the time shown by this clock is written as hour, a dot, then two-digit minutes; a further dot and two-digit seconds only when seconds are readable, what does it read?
10.06
